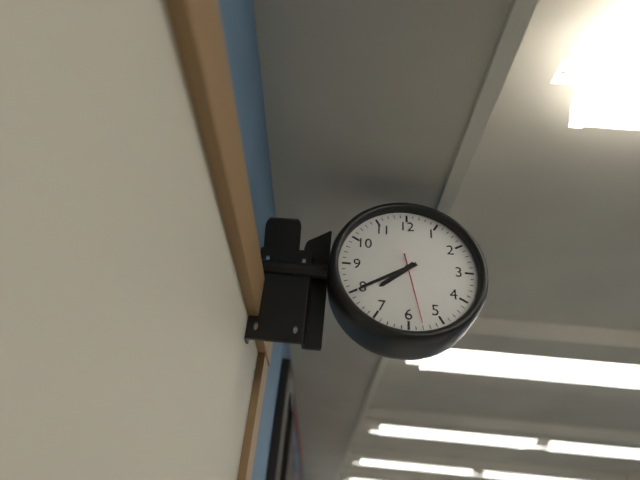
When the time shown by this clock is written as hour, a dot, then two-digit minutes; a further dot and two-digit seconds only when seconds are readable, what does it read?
7.40.28
